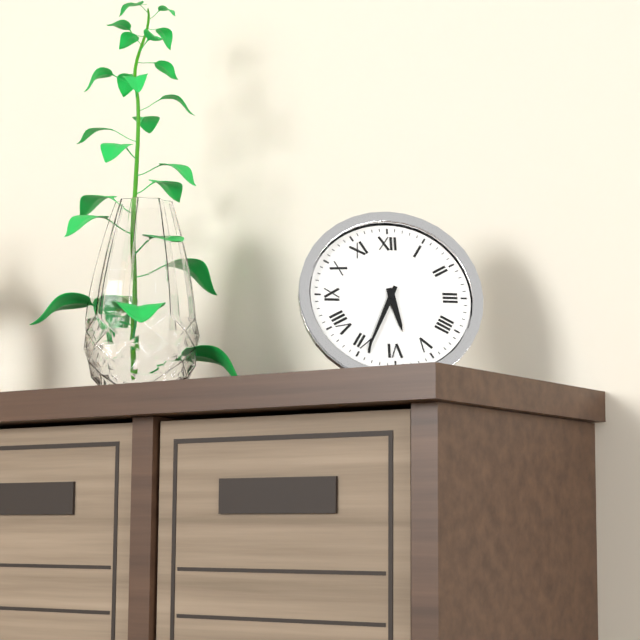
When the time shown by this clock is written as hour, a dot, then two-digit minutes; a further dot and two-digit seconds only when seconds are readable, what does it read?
5.34
